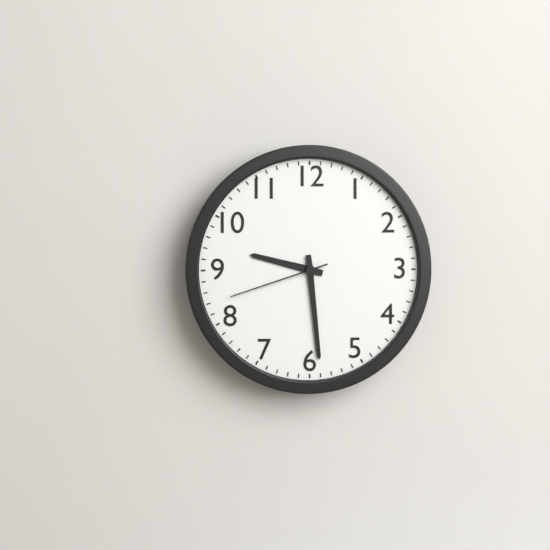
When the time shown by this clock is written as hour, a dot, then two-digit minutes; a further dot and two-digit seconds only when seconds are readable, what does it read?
9.29.42
